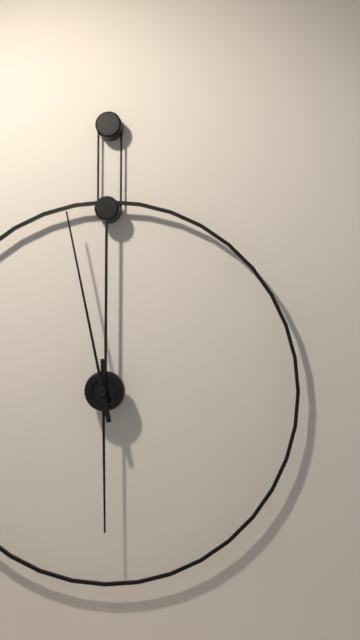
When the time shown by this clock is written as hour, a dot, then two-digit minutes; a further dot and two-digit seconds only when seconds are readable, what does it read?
5.58
